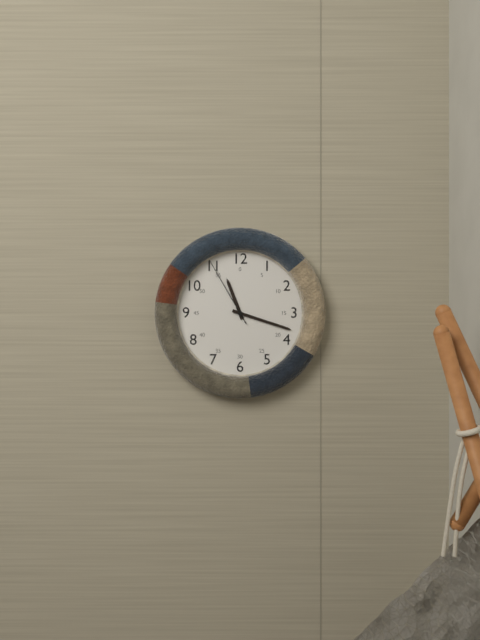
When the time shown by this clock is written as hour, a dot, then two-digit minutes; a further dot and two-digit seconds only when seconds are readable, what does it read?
11.18.55
